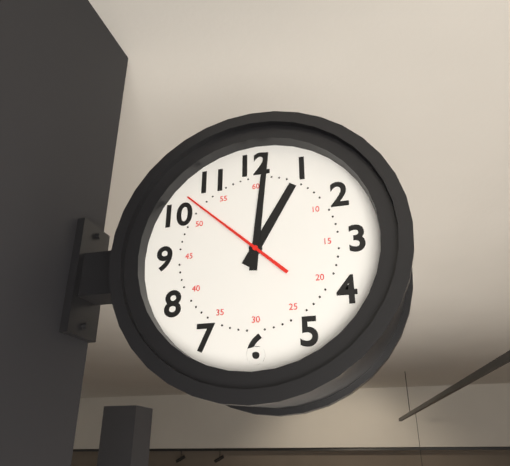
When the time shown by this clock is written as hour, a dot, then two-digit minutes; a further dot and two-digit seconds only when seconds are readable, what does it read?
1.01.52
